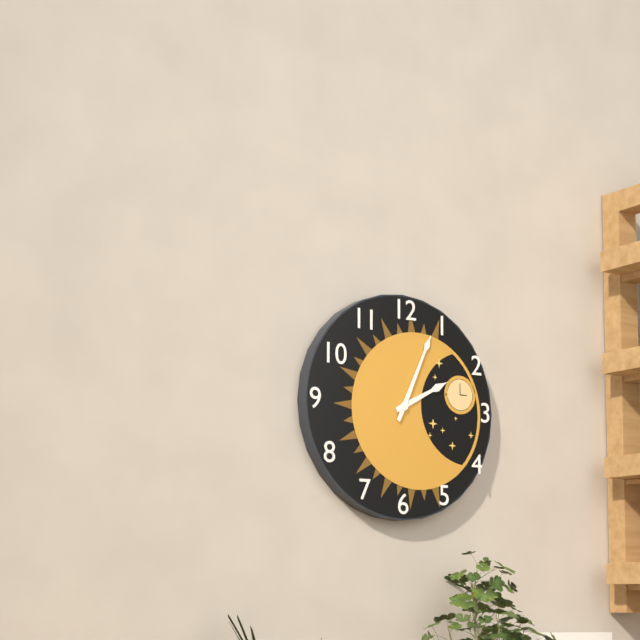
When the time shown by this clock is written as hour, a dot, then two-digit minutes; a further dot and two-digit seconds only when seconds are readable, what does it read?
2.04
